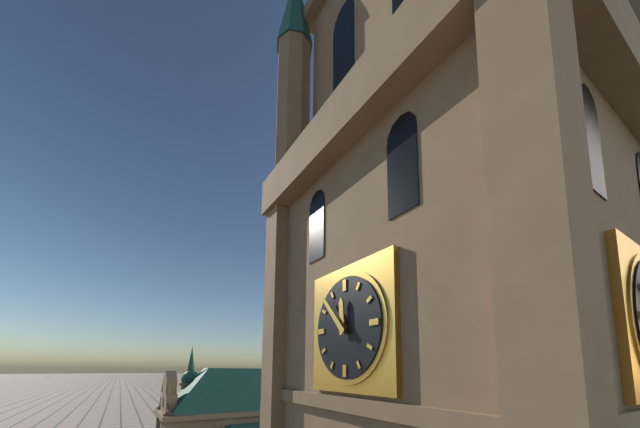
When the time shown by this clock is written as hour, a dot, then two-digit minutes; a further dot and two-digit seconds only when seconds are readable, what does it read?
11.53
